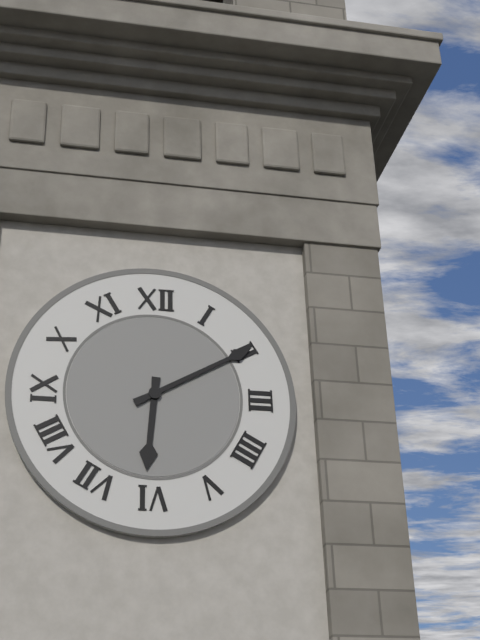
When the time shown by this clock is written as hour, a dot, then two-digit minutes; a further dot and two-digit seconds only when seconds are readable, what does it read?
6.10
